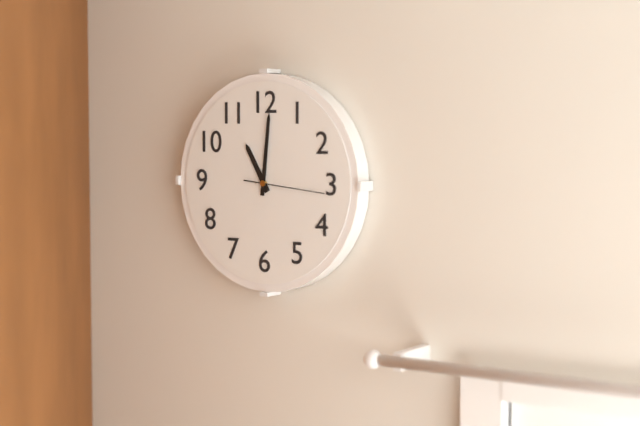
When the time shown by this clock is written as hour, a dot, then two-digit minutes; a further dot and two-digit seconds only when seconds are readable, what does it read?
11.01.16
